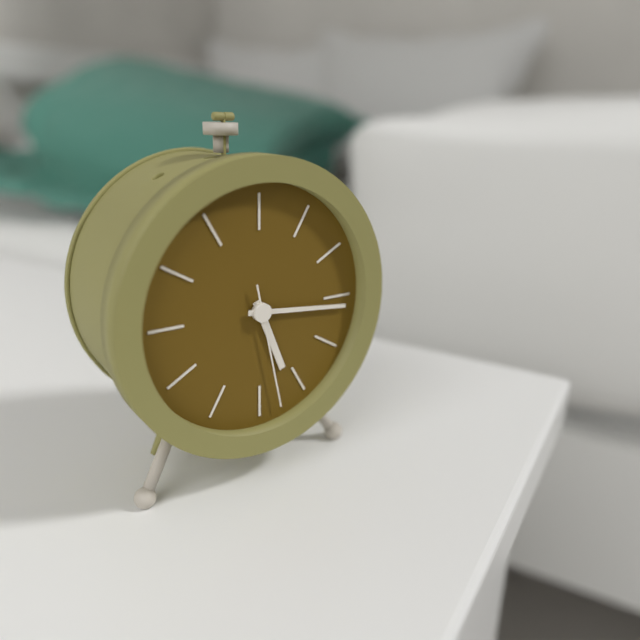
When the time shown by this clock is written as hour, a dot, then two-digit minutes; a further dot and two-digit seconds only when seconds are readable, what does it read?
5.16.28
